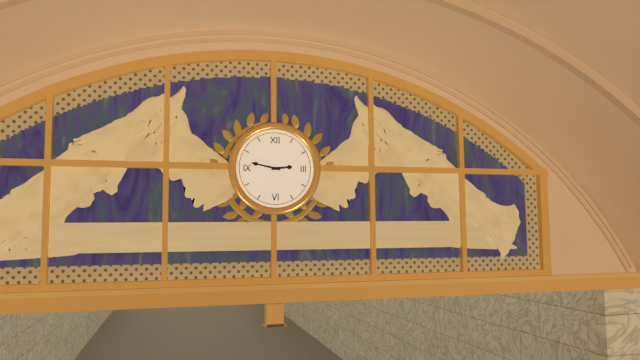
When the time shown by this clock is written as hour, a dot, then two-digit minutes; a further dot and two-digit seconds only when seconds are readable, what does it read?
2.47
